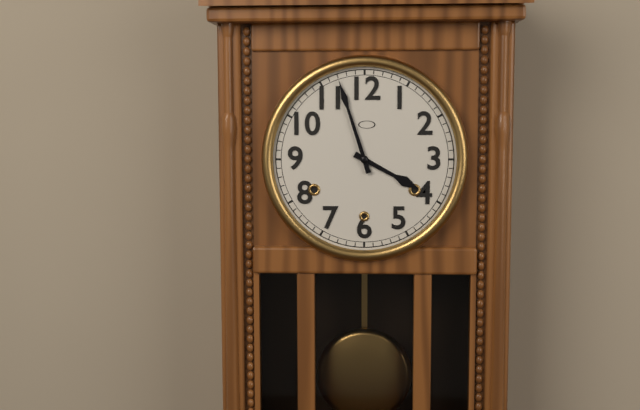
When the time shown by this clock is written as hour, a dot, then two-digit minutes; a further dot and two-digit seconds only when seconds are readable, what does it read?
3.57
